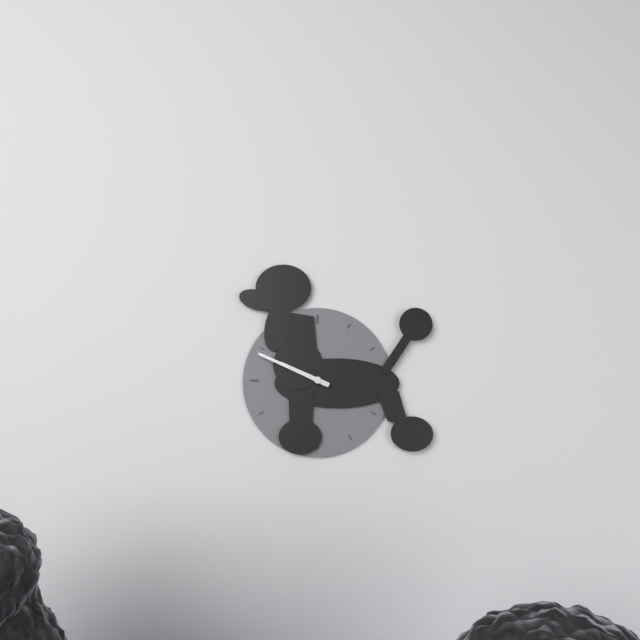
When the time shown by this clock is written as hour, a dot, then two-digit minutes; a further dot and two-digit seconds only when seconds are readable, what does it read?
9.49
